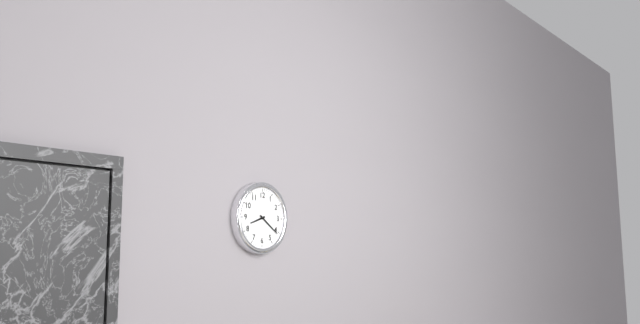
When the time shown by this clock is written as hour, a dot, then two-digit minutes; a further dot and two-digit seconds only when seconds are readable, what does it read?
8.21
